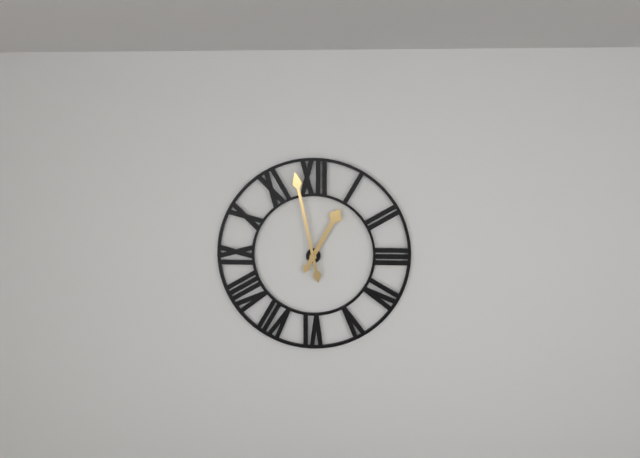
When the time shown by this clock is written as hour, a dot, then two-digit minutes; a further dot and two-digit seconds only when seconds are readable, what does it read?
12.58
